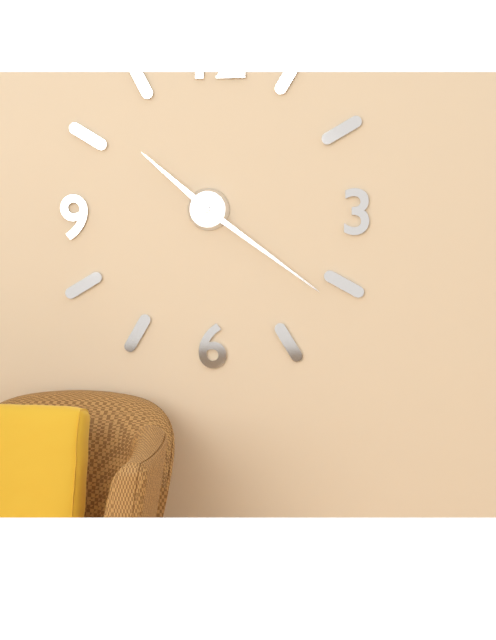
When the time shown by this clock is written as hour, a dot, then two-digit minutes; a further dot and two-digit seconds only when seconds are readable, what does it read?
10.21
